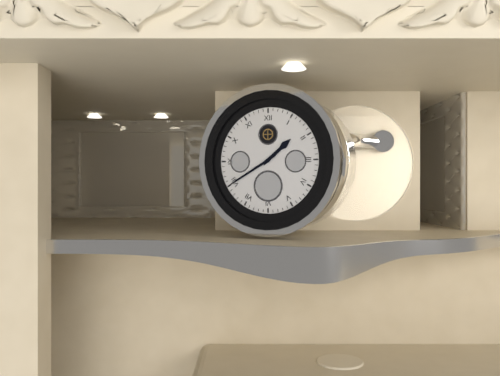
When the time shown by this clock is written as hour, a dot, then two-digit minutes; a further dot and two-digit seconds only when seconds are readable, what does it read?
1.40
